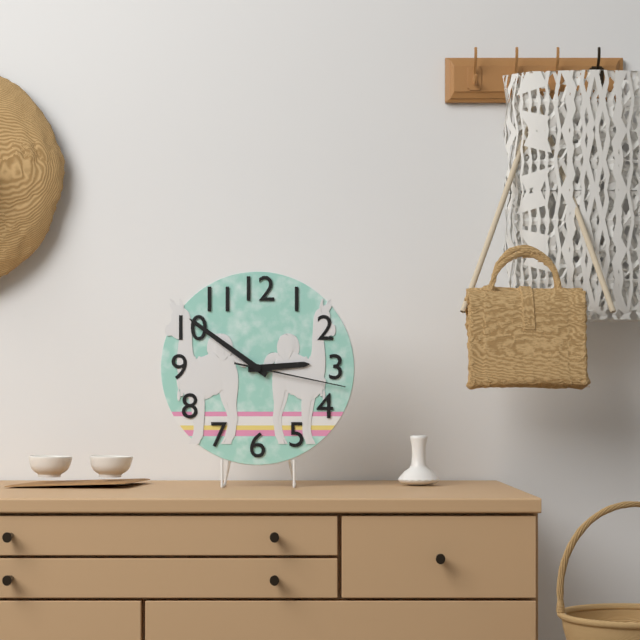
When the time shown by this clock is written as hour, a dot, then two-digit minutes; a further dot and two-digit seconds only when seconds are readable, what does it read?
2.51.17
